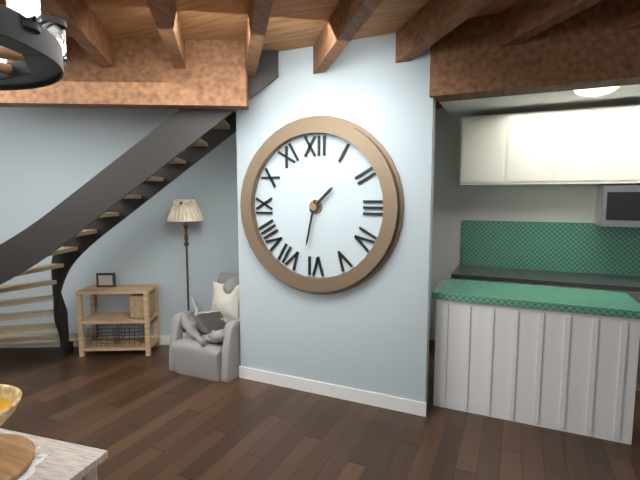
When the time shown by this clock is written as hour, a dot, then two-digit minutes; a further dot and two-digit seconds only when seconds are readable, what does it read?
1.32
